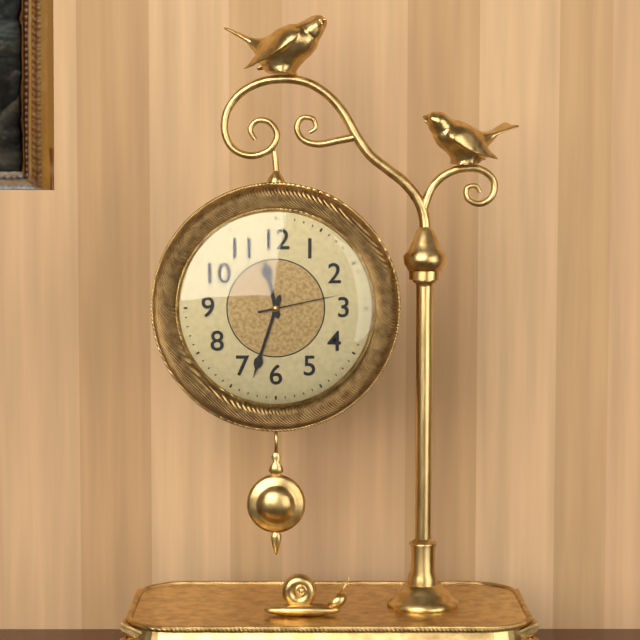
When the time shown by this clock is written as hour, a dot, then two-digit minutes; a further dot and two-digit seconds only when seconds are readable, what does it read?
11.33.13
